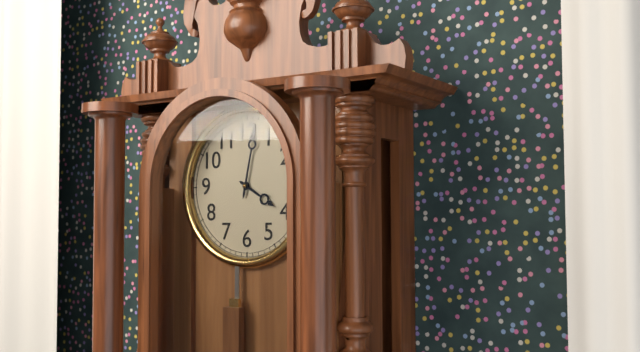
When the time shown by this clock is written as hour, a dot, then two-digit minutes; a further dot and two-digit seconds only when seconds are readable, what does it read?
4.02
